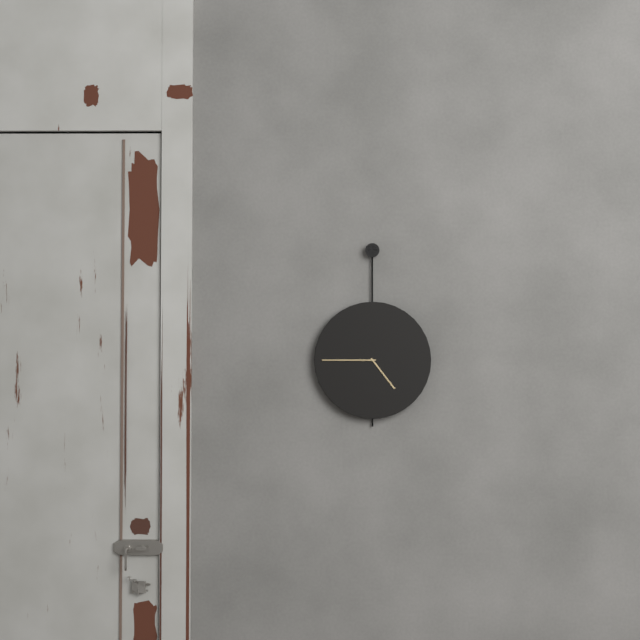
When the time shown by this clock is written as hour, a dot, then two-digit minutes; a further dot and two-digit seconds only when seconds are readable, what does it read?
4.45
